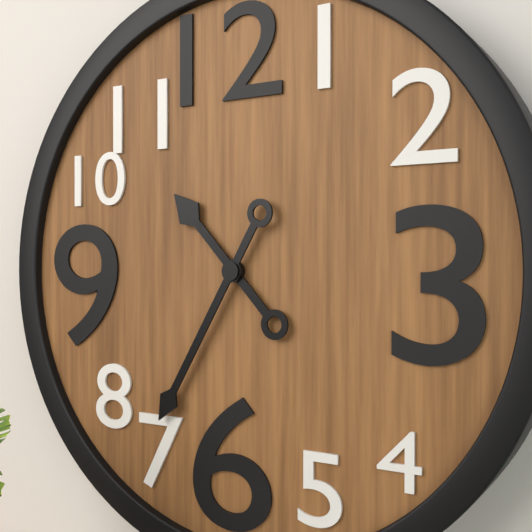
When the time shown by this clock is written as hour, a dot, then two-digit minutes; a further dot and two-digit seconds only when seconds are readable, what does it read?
10.35
